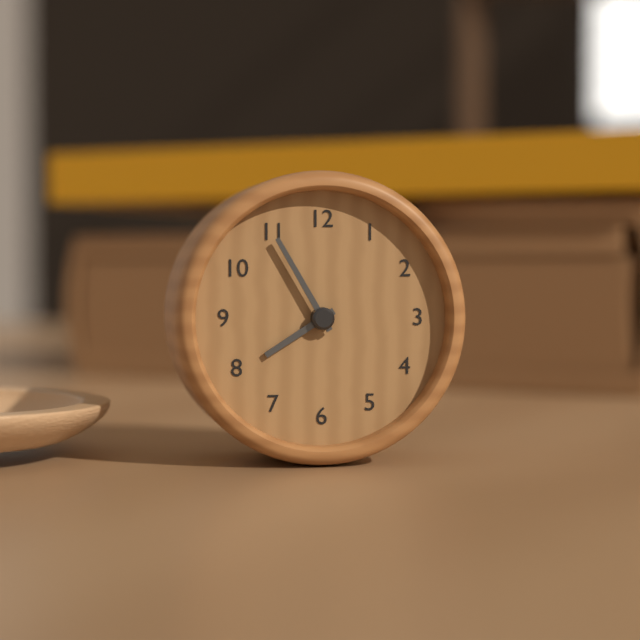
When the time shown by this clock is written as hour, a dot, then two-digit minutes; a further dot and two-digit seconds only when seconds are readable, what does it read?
7.55
